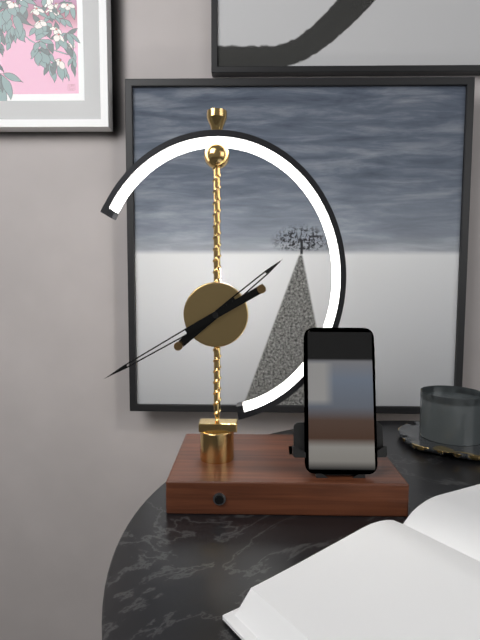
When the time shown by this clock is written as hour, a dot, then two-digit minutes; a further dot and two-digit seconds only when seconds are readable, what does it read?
1.40
